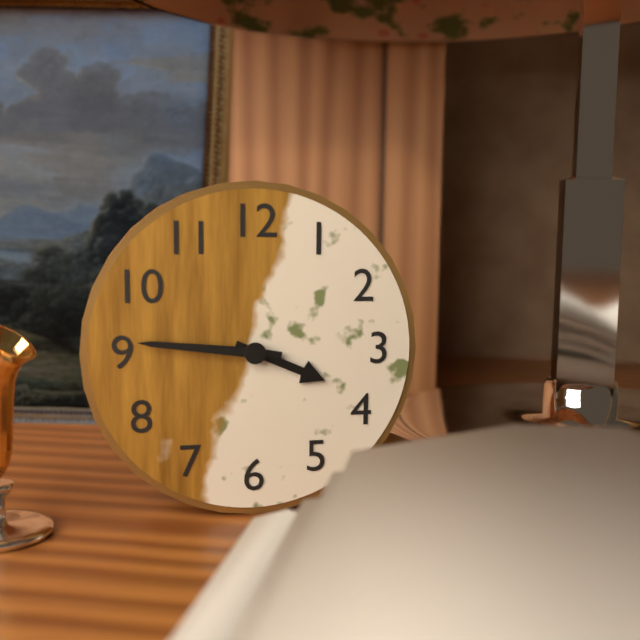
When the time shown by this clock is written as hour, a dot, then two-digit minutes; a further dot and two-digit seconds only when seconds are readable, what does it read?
3.46
